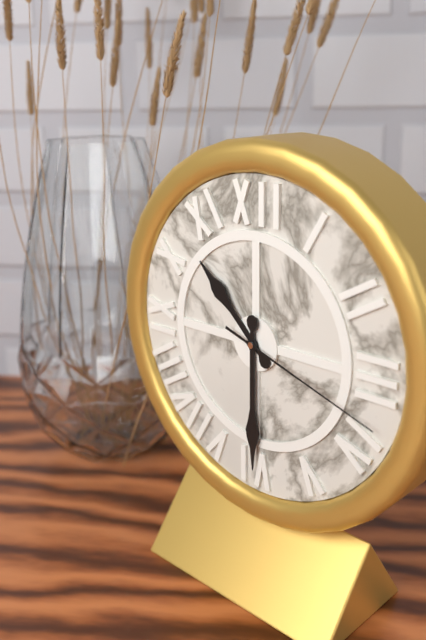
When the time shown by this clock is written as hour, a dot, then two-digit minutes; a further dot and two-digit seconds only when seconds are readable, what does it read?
10.30.18
